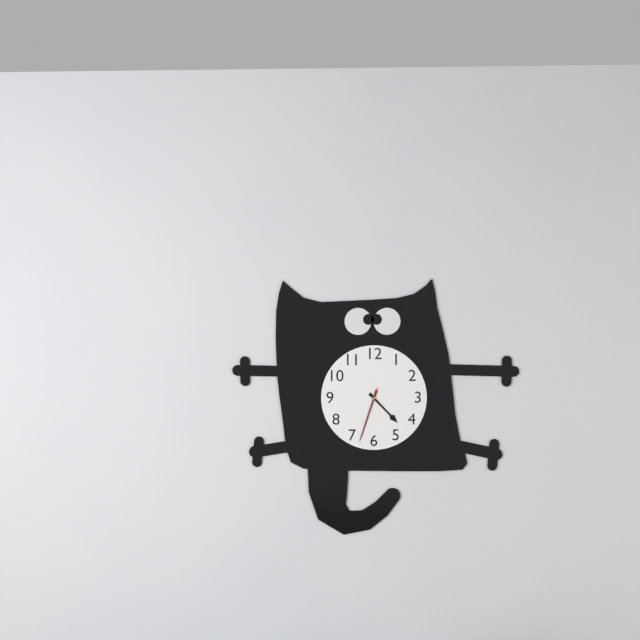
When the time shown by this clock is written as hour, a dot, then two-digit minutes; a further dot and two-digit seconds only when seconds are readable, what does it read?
4.33.33
